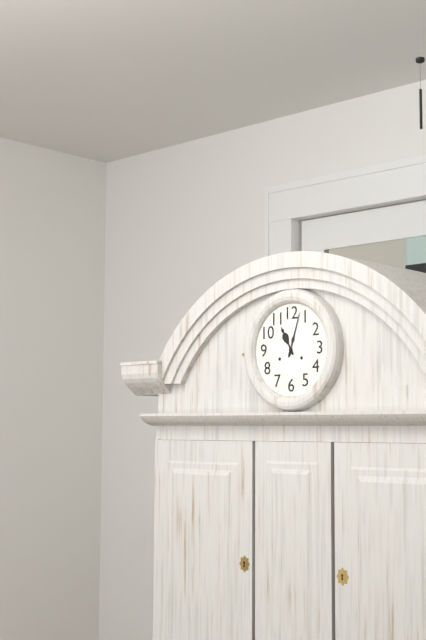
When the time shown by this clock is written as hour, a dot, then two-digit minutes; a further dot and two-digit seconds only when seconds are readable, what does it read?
11.03
